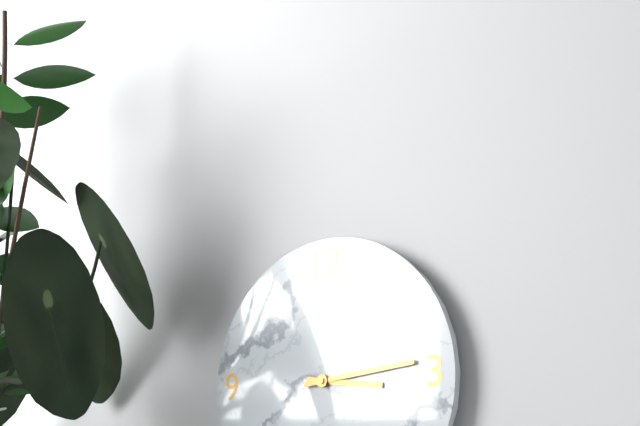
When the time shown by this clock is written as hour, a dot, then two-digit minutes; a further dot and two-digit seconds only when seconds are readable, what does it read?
3.14
